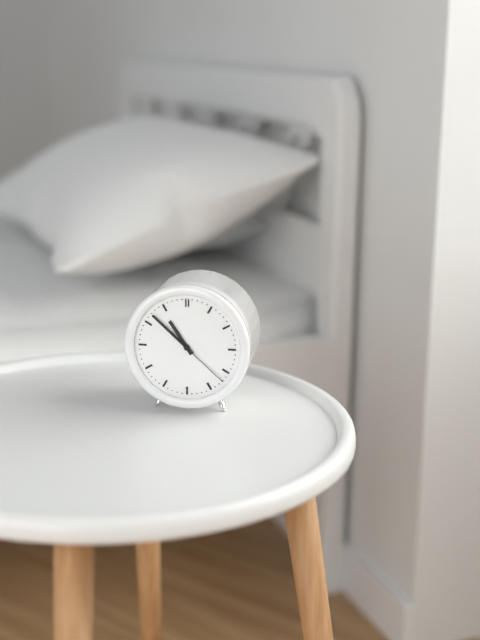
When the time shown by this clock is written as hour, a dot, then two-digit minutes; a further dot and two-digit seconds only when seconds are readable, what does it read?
10.52.22
